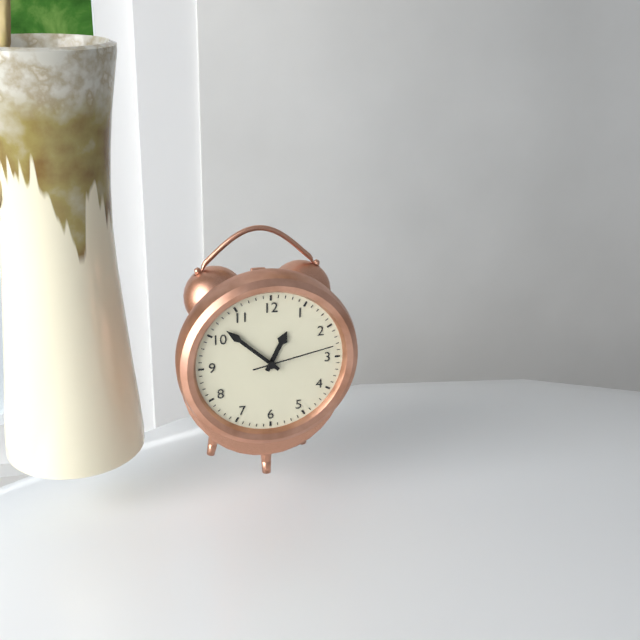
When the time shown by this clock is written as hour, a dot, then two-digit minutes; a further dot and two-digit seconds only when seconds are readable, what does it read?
12.52.13
